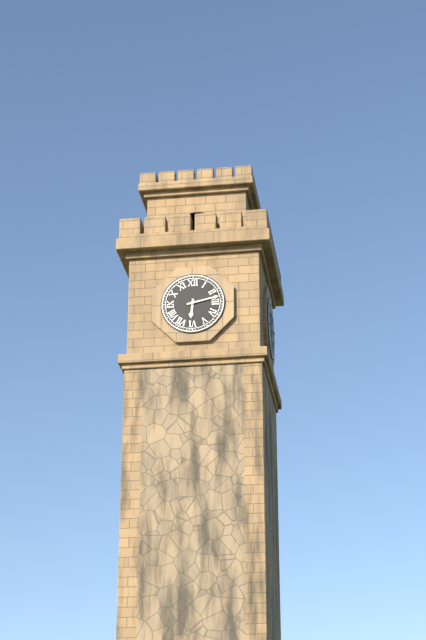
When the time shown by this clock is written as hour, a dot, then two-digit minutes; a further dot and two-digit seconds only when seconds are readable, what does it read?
6.13
